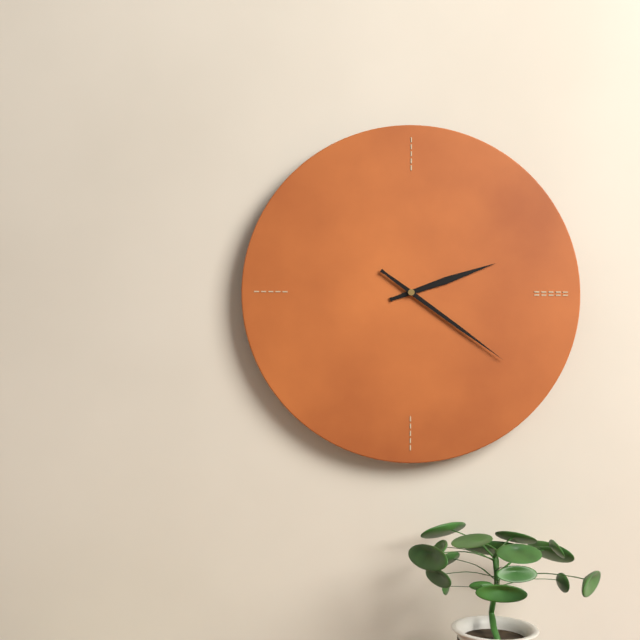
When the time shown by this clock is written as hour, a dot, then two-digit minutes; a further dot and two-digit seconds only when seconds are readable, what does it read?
2.21
